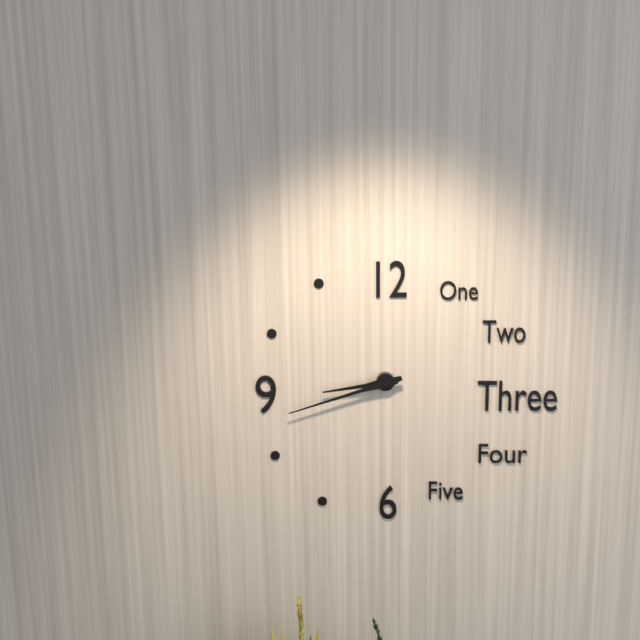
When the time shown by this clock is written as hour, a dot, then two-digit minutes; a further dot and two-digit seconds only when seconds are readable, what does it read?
8.42
